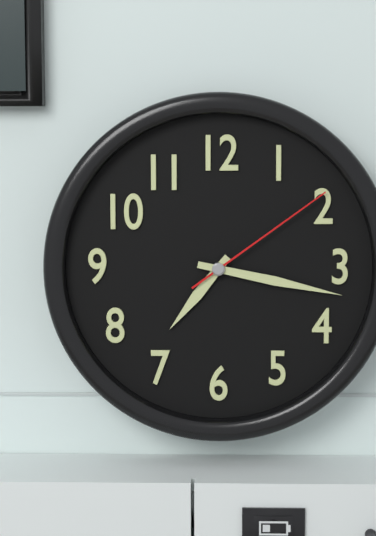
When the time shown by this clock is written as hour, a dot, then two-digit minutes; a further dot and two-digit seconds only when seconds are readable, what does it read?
7.17.09
